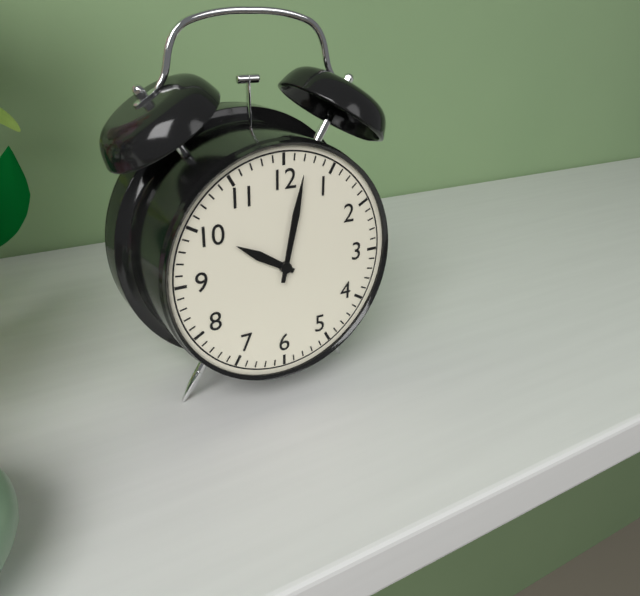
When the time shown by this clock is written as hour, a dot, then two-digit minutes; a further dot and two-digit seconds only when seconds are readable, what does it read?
10.02
